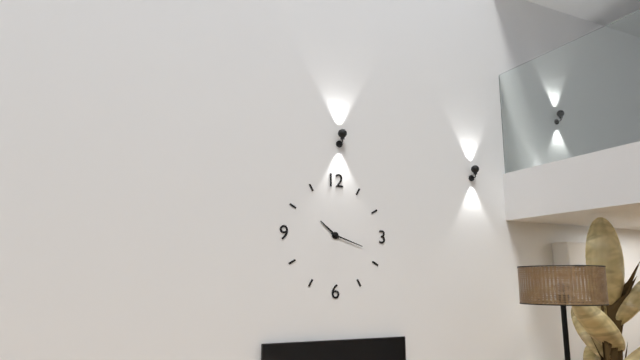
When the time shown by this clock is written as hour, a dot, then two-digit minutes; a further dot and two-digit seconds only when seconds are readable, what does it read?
10.18
